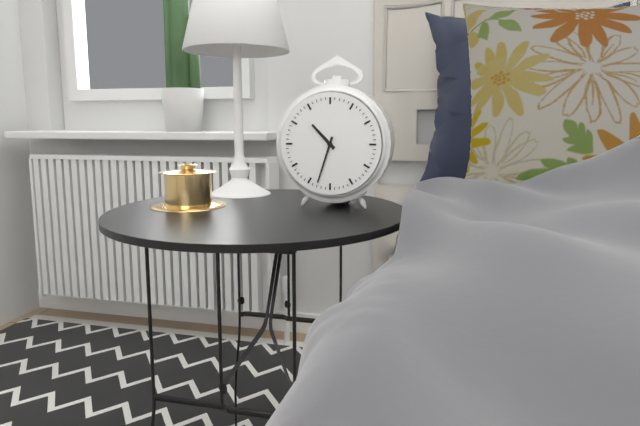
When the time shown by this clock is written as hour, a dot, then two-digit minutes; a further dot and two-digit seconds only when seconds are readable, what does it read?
10.33
